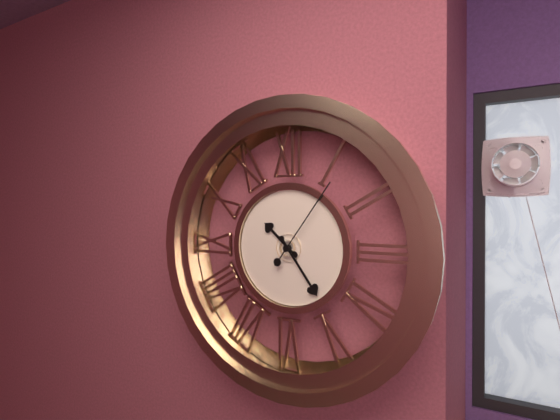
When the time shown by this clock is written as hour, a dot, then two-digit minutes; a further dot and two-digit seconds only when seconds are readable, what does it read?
10.24.06
